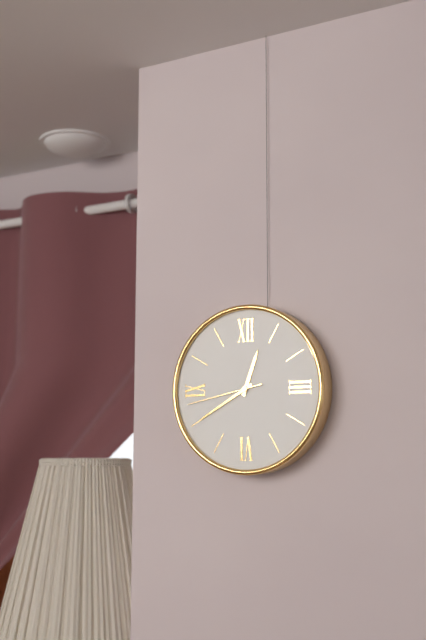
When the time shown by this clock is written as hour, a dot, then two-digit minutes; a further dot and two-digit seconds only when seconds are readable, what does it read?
12.40.43
